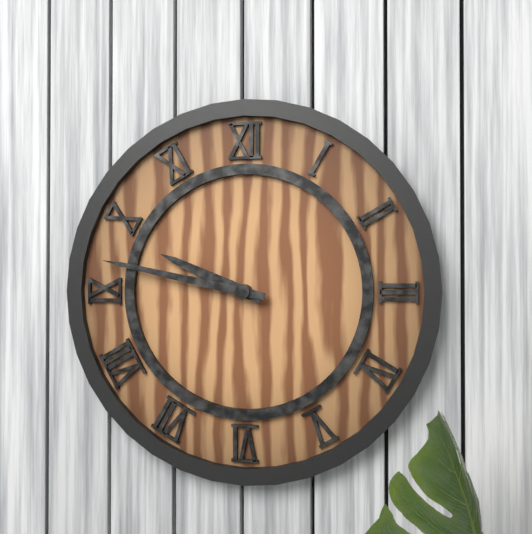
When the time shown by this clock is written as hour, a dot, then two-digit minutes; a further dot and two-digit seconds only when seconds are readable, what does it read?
9.47
